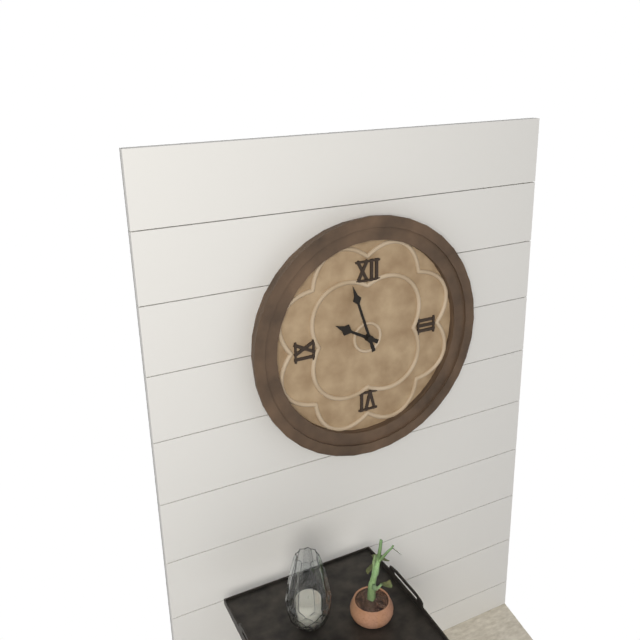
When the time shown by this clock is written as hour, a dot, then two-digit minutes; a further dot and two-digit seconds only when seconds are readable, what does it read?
9.57
